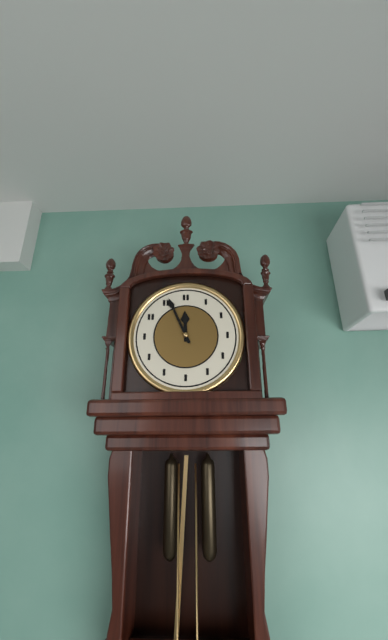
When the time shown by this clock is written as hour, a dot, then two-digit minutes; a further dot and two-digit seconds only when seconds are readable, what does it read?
11.56
